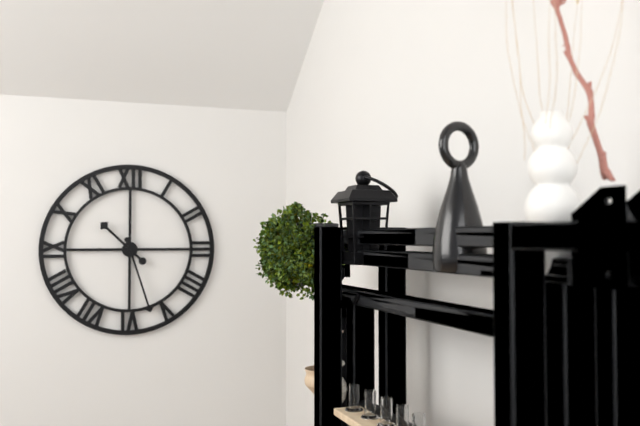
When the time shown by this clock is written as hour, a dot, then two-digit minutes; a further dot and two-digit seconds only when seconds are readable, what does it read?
10.27
